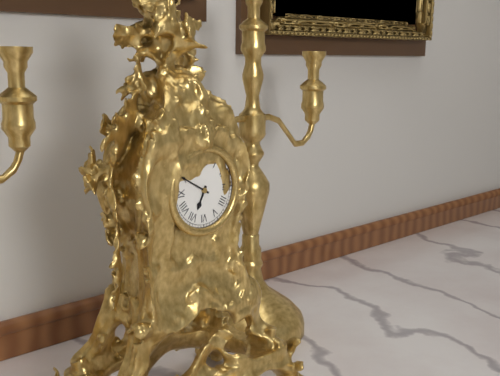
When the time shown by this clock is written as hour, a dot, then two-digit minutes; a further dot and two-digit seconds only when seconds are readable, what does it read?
6.50
